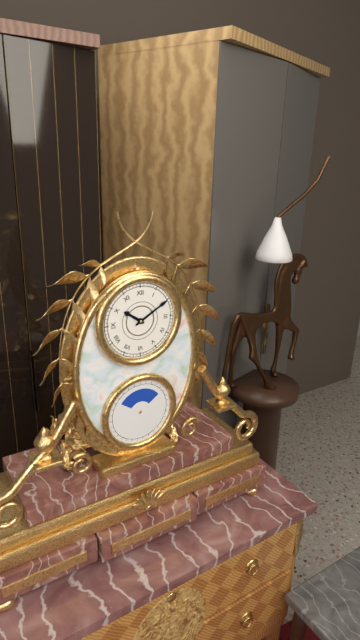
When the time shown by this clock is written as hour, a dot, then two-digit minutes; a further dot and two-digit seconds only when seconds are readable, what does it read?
10.10
